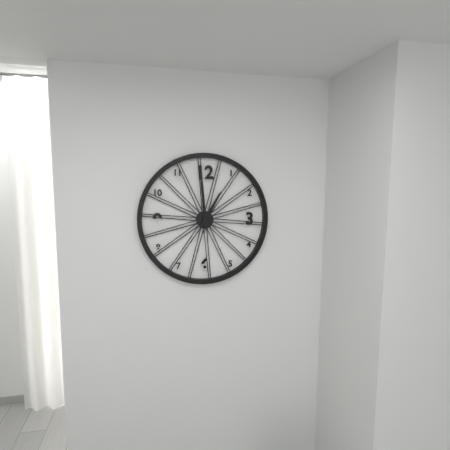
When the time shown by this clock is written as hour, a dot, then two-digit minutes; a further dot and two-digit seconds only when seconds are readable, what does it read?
12.59
